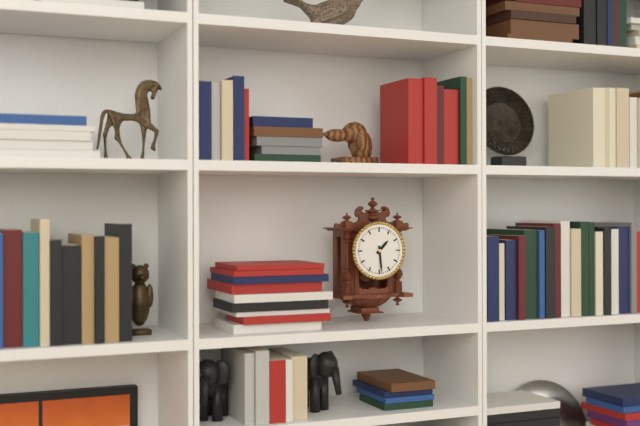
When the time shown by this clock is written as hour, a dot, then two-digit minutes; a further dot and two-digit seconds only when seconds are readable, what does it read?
1.29
